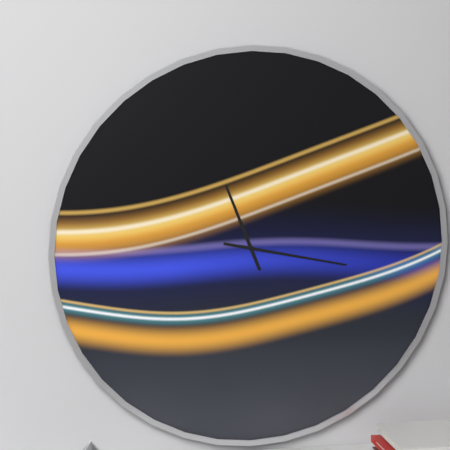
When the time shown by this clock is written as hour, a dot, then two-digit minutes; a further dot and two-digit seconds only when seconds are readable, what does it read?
11.17
